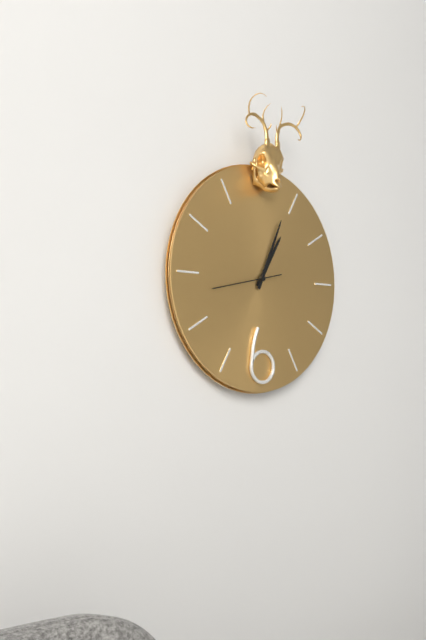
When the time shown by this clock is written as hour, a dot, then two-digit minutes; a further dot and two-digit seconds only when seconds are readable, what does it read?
1.04.43
